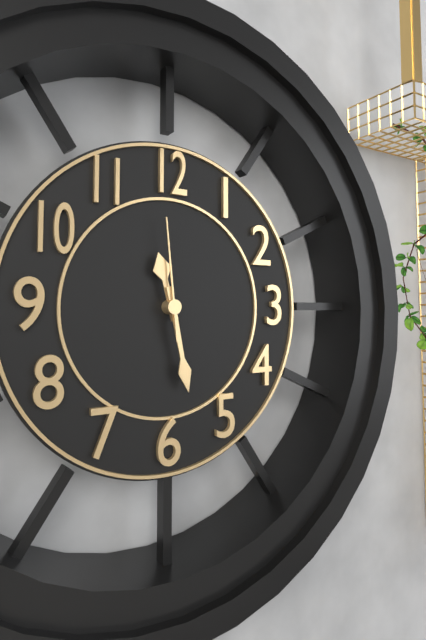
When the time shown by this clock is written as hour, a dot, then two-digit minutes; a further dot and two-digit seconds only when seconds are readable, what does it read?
11.28.59
